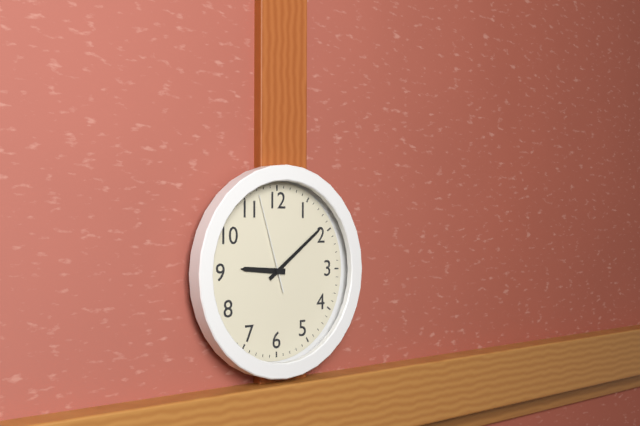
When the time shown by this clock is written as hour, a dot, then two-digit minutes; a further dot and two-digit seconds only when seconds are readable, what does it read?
9.09.57
